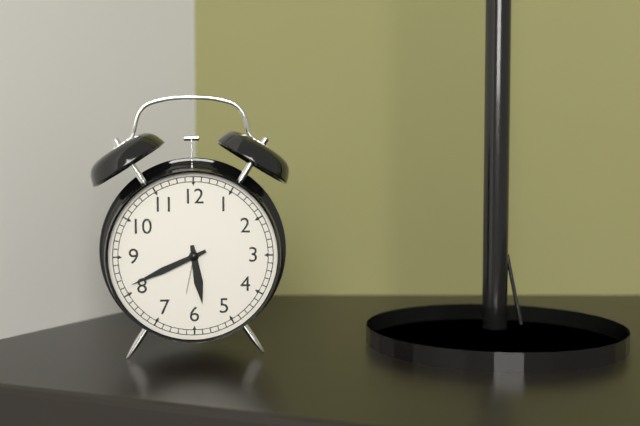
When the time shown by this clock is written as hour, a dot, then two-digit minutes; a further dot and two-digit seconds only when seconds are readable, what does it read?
5.41
